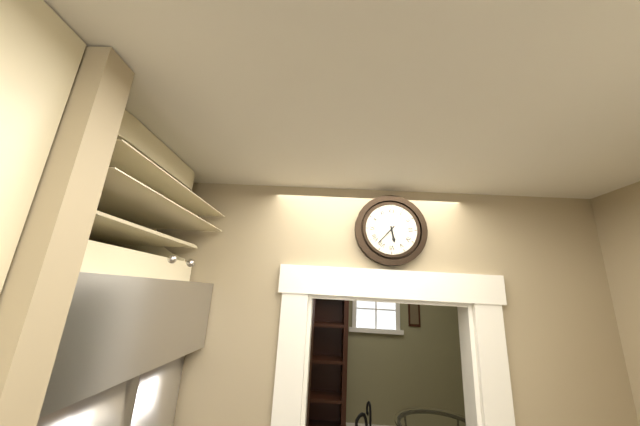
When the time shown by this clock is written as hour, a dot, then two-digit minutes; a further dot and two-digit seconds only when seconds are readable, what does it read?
5.37
